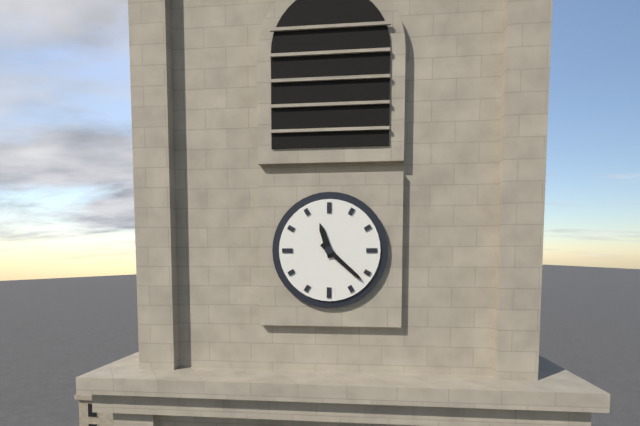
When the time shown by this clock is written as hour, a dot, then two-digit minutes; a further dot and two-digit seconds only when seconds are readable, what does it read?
11.22
